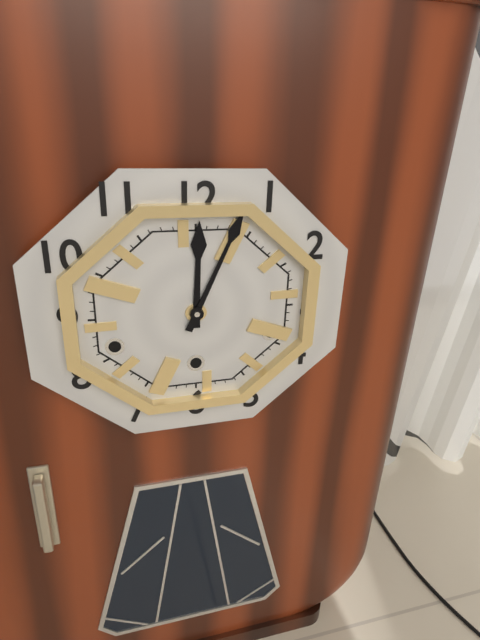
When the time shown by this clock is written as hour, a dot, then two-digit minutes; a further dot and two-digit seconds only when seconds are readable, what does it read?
12.04
